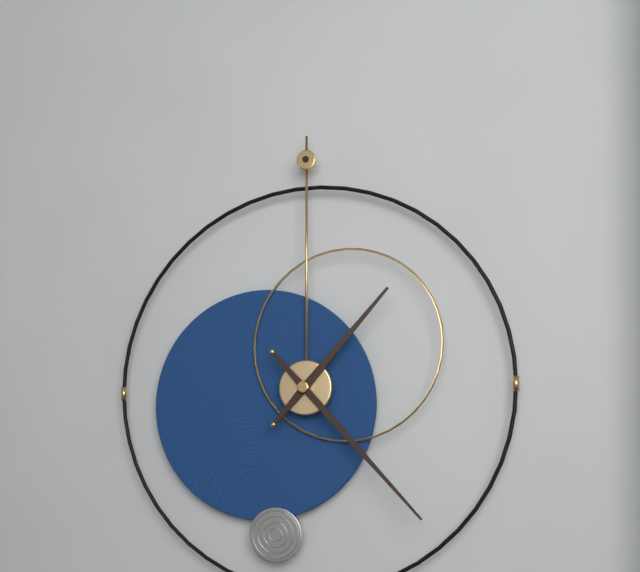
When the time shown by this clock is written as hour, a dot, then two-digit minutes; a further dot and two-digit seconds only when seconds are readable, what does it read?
1.23
